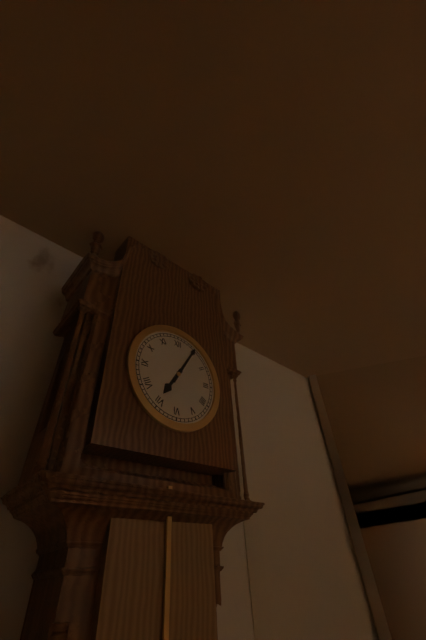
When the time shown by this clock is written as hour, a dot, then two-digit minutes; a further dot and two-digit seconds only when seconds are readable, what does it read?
7.05
